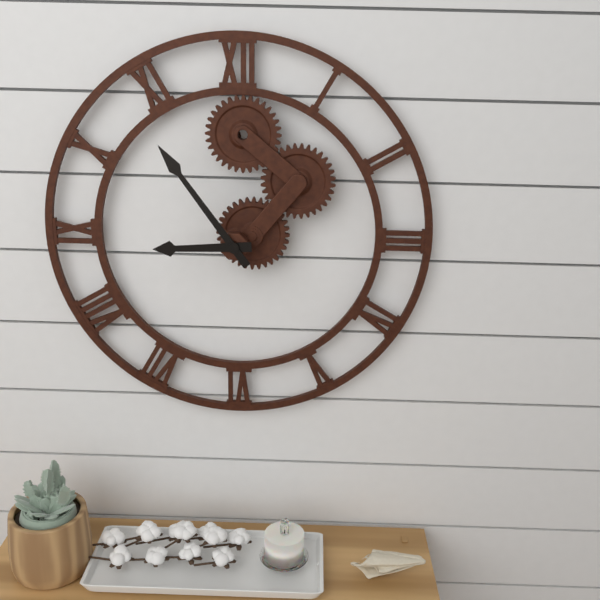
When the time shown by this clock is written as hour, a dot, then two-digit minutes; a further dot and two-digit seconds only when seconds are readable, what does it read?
8.54
